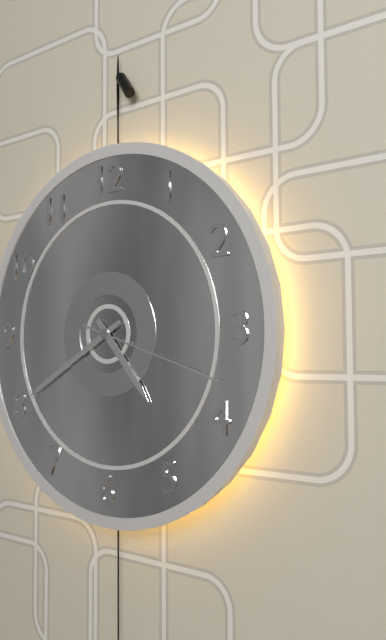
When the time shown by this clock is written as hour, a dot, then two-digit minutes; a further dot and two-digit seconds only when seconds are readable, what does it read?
4.40.18
